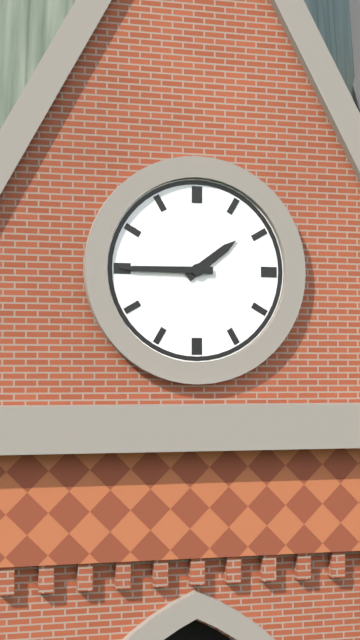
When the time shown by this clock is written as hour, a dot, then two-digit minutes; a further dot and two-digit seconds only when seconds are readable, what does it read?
1.45
